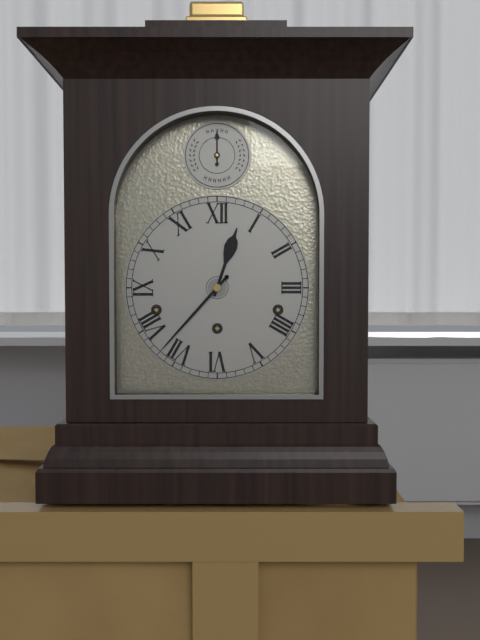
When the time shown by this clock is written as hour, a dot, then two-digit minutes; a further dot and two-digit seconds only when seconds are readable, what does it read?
12.37
